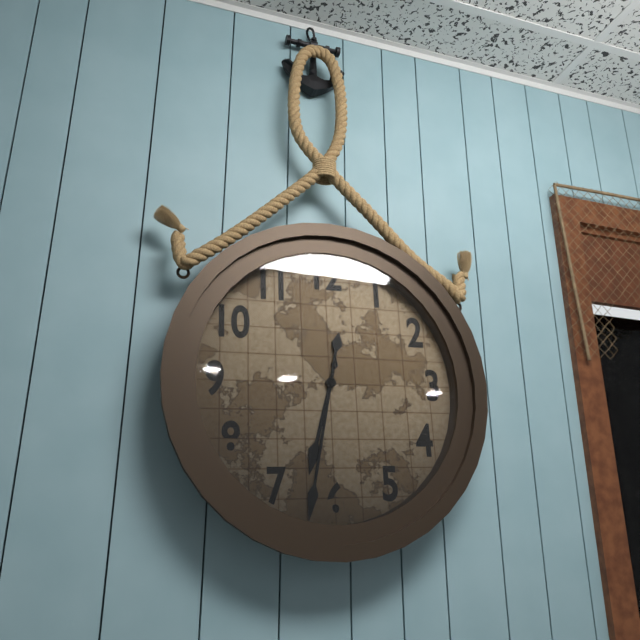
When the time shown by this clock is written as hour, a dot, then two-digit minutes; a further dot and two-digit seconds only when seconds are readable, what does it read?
6.32
